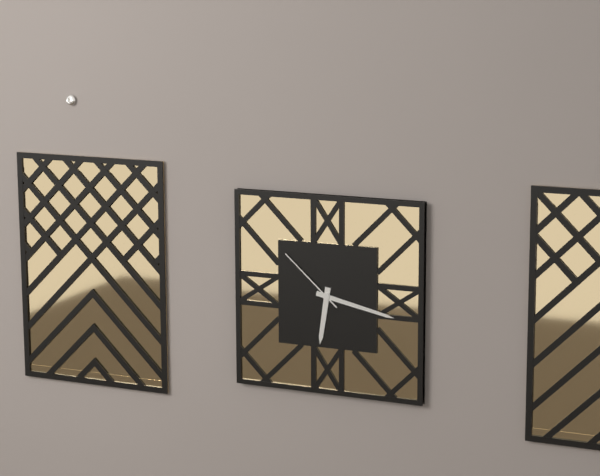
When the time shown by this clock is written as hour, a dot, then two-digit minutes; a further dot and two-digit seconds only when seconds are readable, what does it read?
6.17.52
